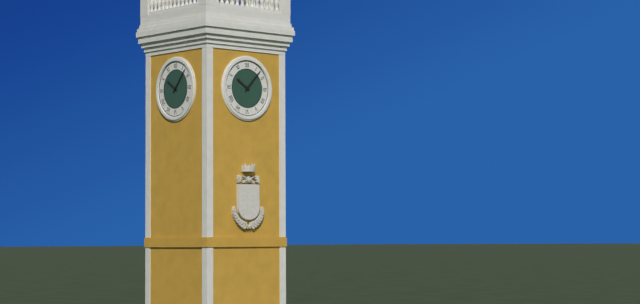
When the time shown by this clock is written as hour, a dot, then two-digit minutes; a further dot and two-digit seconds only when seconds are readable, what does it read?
10.07
